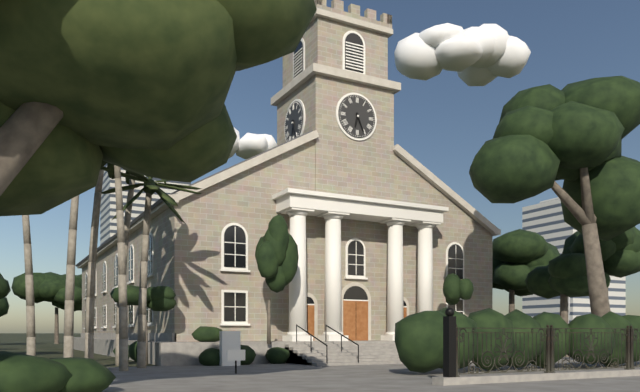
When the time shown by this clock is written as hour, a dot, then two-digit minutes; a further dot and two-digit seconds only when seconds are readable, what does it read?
6.26
